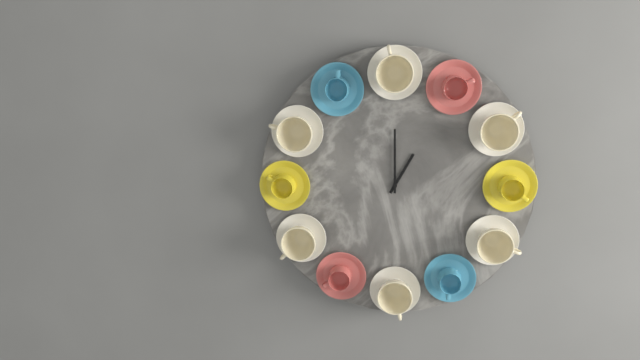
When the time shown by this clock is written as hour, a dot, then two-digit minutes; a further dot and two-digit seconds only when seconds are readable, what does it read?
1.00
